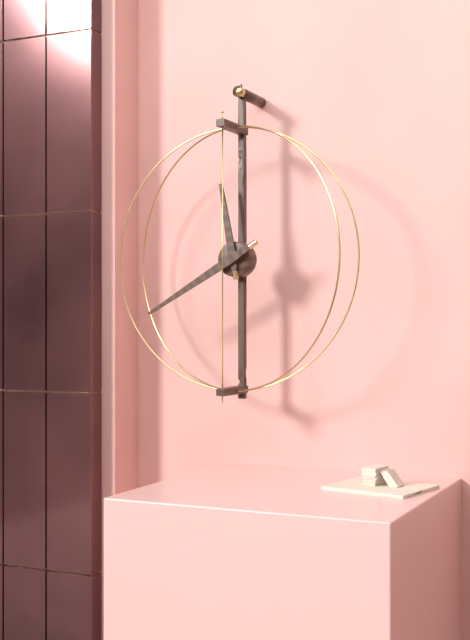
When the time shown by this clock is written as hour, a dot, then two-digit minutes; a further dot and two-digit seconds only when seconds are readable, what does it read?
11.40
